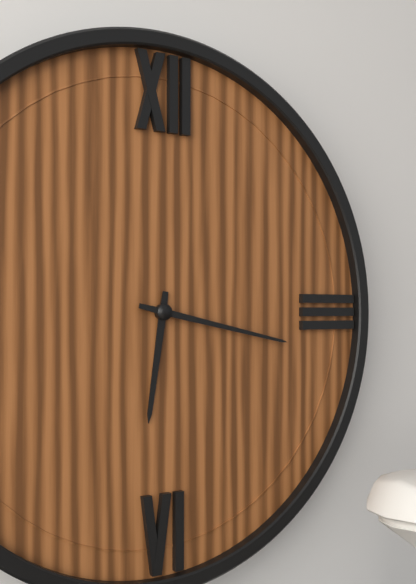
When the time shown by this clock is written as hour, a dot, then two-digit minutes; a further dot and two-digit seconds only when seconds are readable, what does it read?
6.17
